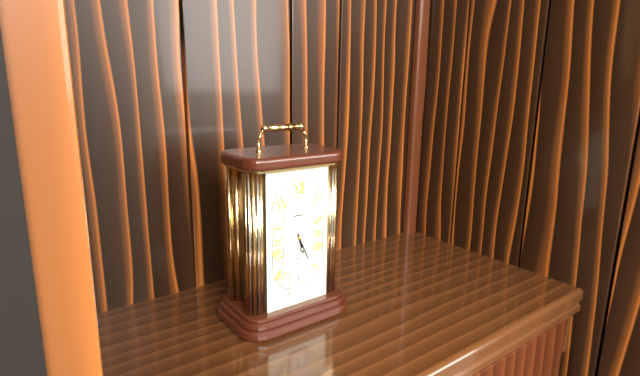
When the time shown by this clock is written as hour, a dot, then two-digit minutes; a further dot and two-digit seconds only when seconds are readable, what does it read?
5.26
